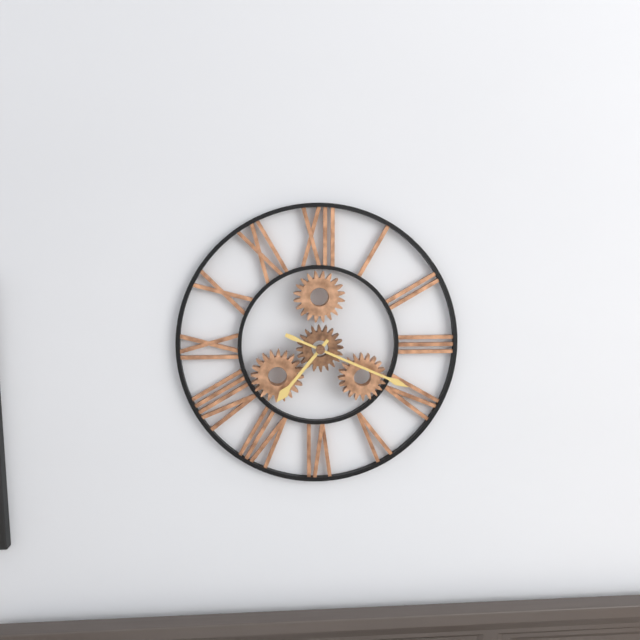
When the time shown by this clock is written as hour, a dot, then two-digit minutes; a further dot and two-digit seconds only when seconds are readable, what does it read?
7.19
